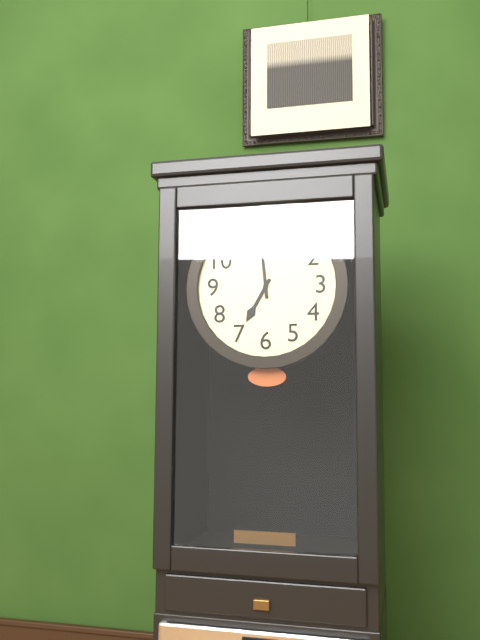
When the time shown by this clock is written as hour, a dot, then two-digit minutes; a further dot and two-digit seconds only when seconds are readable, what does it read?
6.59
